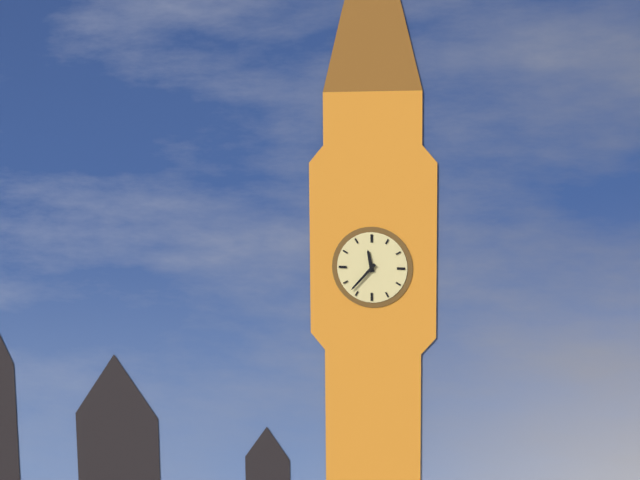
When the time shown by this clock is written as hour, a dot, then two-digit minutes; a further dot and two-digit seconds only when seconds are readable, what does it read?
11.37
